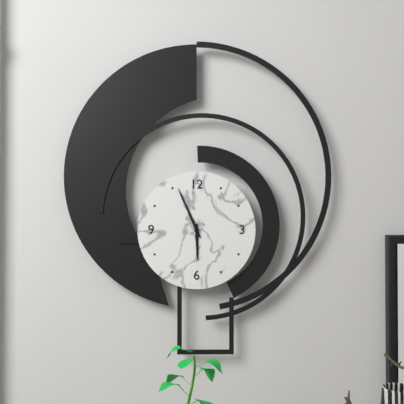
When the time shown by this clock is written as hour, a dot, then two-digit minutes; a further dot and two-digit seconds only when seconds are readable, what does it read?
5.56
